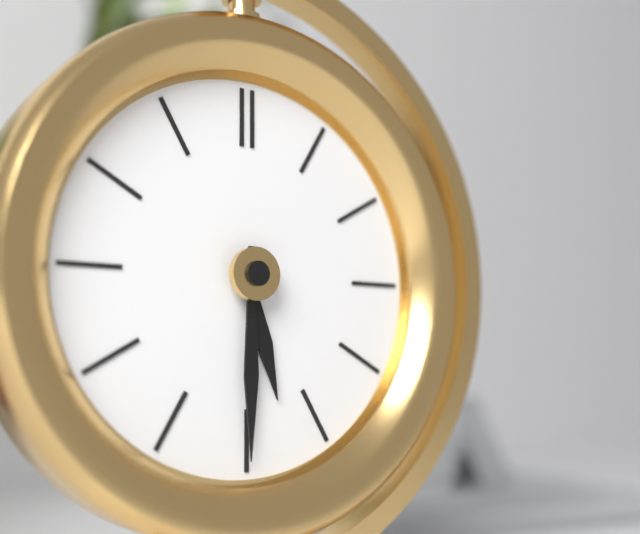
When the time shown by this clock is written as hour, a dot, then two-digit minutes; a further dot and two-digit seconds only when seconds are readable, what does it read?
5.30
